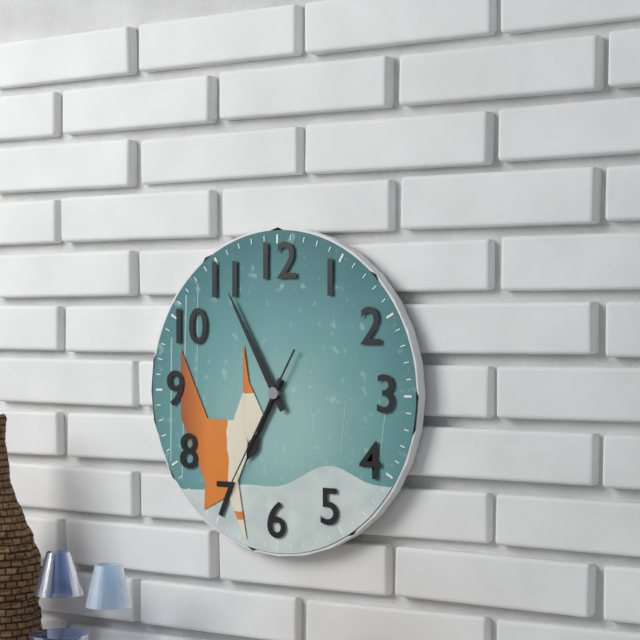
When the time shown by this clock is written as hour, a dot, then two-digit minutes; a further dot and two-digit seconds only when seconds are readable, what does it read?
6.55.35
